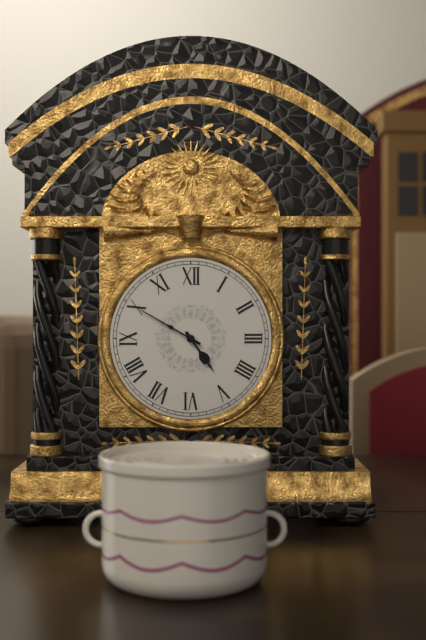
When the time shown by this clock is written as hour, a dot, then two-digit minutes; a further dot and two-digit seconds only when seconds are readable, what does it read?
4.50
